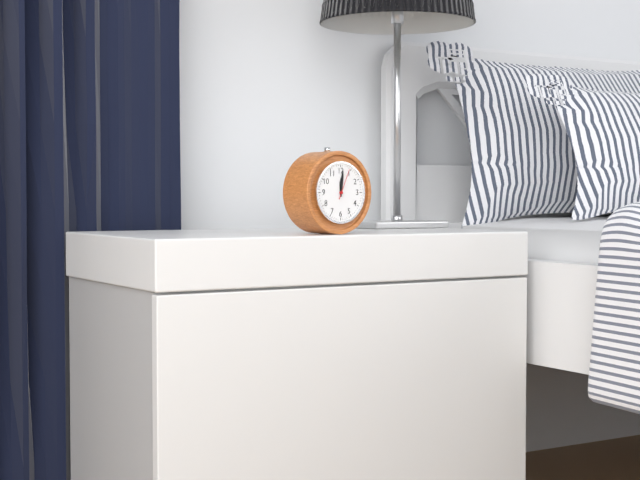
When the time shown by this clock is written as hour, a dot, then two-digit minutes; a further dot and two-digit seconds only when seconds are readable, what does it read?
12.01
